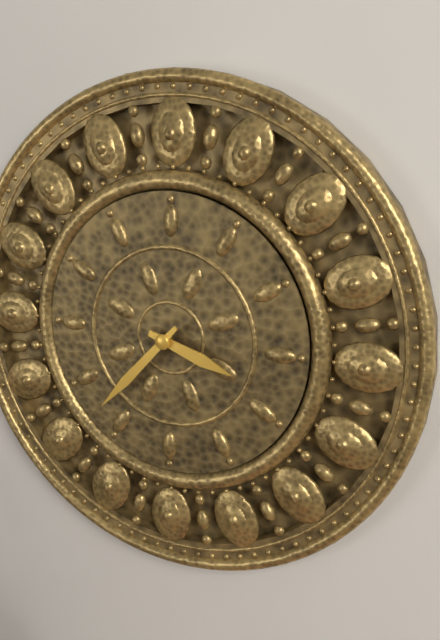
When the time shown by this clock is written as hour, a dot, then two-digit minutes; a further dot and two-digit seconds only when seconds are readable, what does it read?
3.37
